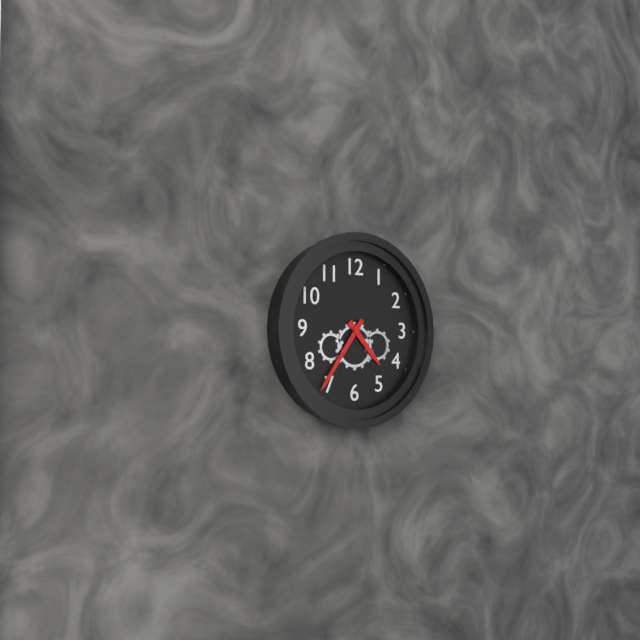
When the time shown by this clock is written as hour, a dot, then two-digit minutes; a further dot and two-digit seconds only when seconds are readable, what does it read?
4.36
